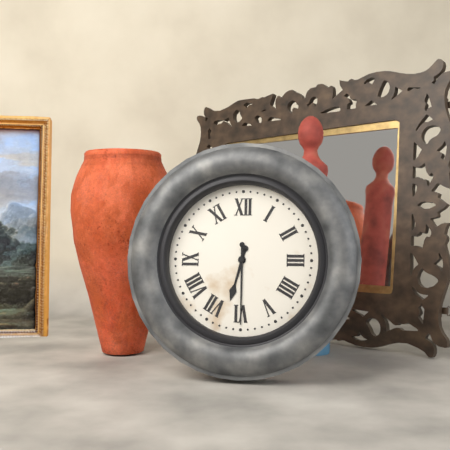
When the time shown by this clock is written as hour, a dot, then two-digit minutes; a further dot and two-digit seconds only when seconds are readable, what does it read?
6.30
